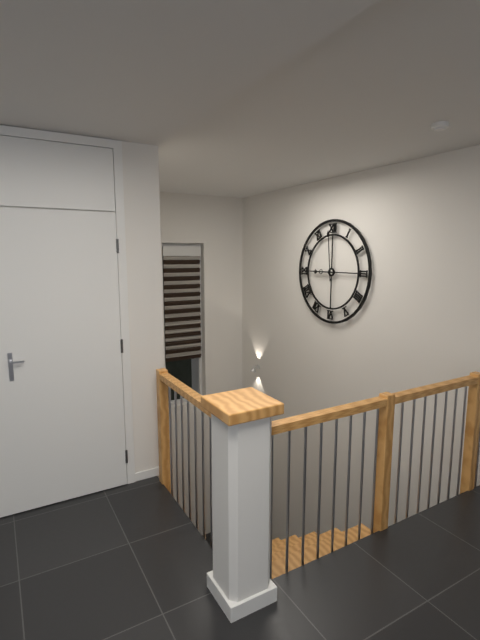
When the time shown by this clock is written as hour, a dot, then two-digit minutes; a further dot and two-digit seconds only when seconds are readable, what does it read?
8.59
